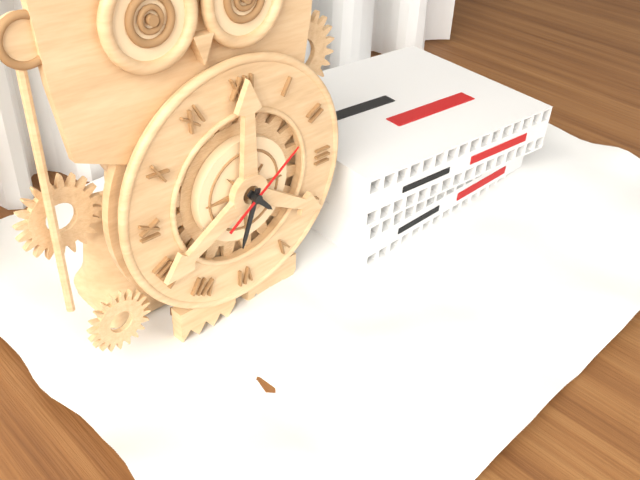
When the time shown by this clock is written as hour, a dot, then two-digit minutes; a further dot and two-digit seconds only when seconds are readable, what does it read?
4.33.09
